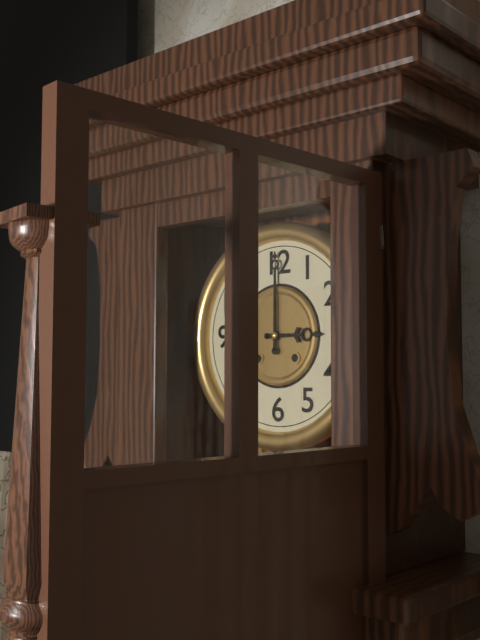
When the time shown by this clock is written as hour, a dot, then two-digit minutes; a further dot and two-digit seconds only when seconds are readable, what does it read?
3.00
